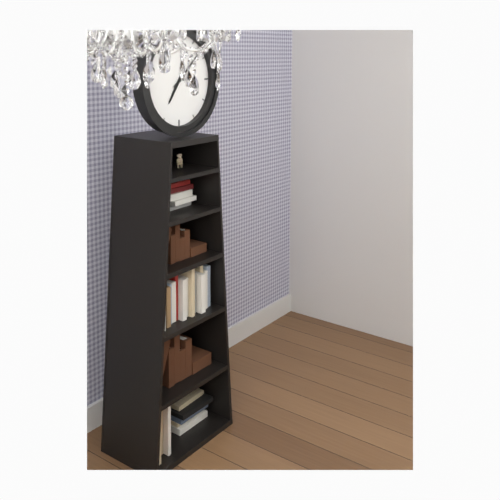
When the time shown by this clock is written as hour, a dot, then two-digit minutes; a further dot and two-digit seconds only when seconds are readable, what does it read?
7.08
